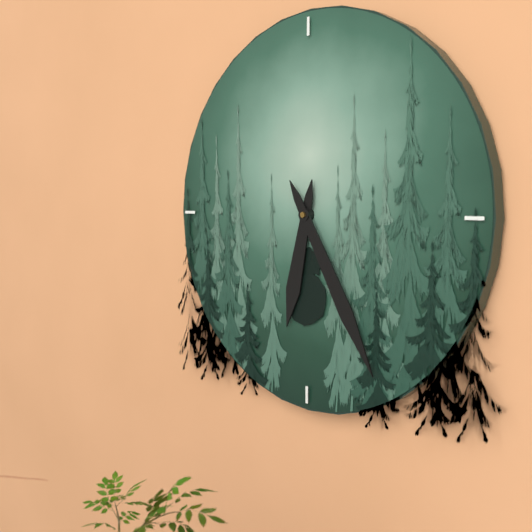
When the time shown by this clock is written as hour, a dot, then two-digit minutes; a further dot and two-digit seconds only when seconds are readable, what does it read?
6.25
